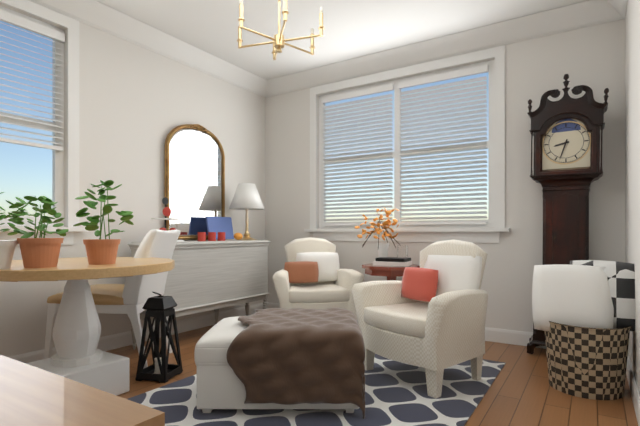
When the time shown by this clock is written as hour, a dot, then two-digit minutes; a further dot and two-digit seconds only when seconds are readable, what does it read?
8.33
